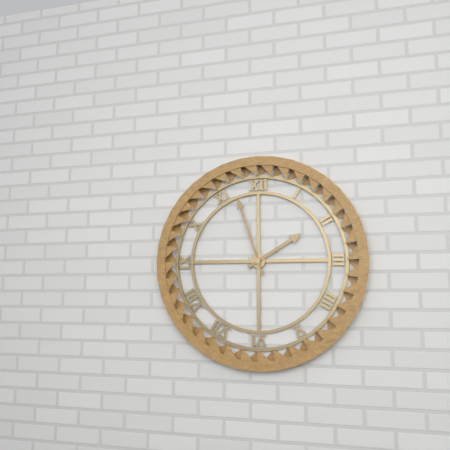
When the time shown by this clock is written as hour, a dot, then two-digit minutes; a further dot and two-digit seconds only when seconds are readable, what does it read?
1.57
